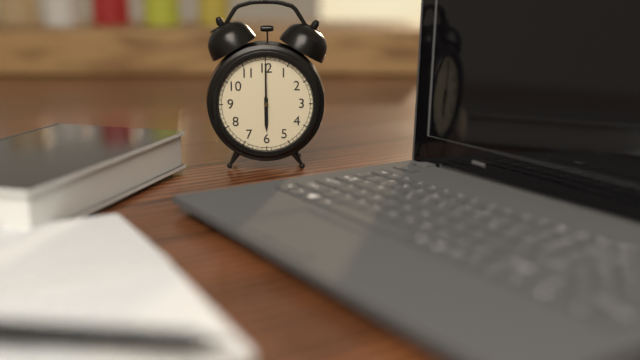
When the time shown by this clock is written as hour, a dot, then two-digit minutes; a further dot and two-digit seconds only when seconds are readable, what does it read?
6.00
